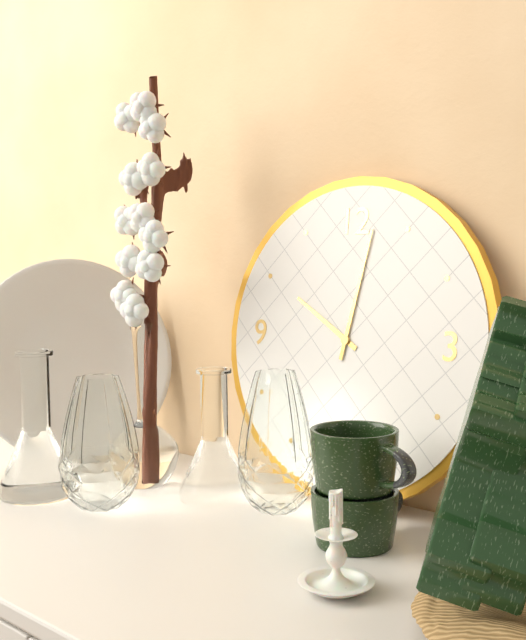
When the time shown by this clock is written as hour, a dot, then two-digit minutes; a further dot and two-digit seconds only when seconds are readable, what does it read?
10.02
